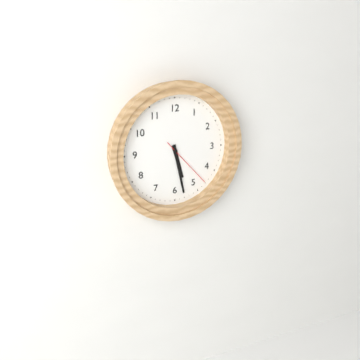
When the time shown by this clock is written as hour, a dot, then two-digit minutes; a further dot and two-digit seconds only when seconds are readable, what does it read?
5.28.23
